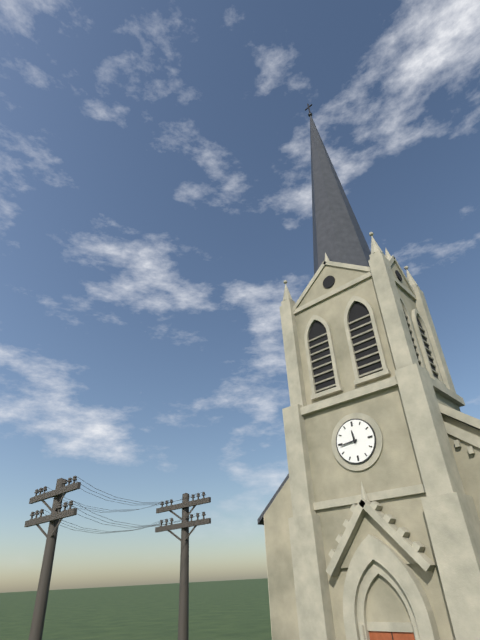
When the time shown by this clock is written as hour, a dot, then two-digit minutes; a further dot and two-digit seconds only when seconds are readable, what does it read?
11.44
